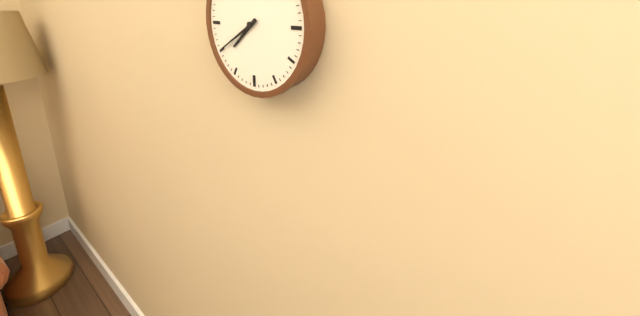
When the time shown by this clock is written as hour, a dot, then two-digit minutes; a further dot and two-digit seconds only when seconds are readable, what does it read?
7.40
